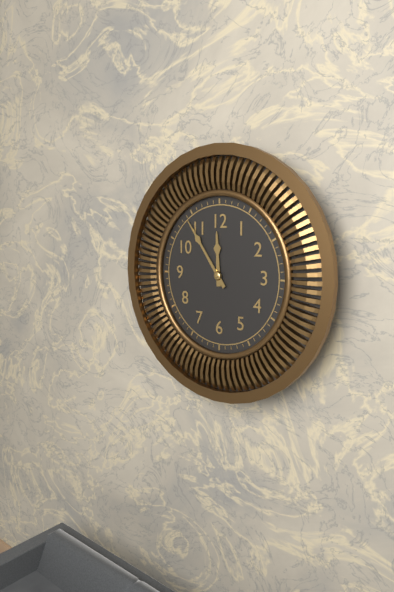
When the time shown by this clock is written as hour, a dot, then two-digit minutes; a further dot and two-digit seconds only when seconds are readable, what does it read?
11.54
